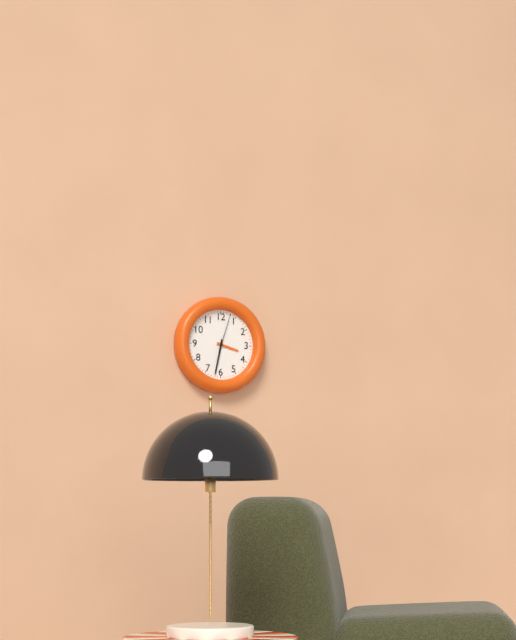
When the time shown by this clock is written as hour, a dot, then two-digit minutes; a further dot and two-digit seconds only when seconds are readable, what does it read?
3.32
